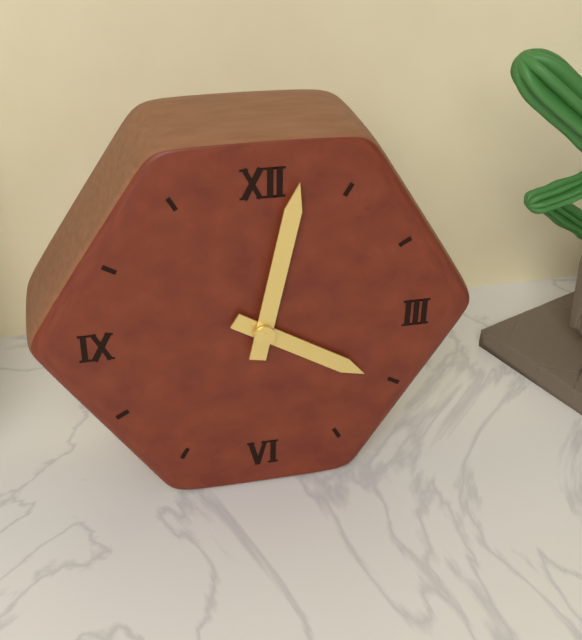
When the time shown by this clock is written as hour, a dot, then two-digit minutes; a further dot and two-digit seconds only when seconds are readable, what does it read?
4.02
